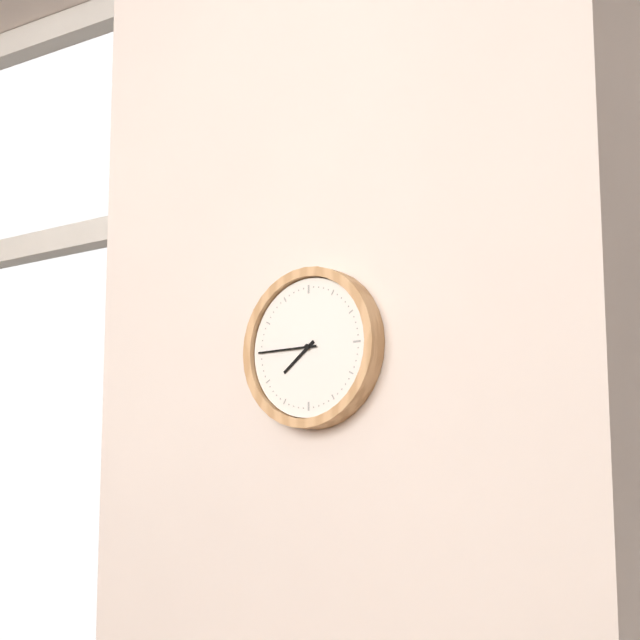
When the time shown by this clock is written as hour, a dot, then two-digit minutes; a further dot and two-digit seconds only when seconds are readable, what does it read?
7.45
